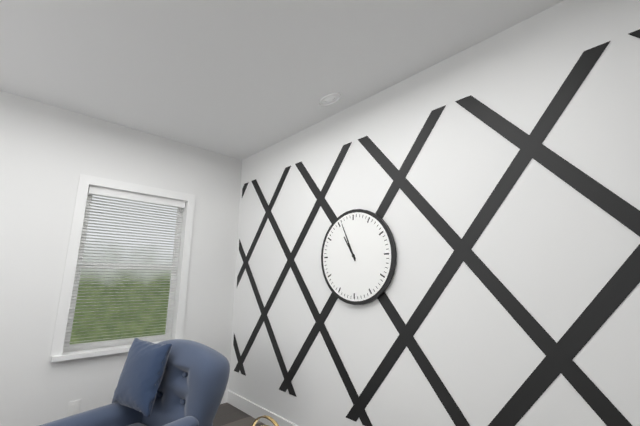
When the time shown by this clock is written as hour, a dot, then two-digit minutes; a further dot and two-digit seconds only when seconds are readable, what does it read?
10.56
